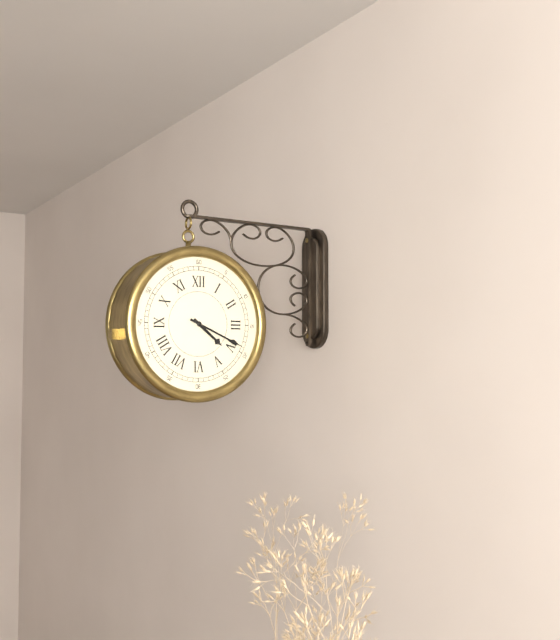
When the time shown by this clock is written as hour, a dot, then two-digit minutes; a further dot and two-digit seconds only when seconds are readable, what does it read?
4.19
